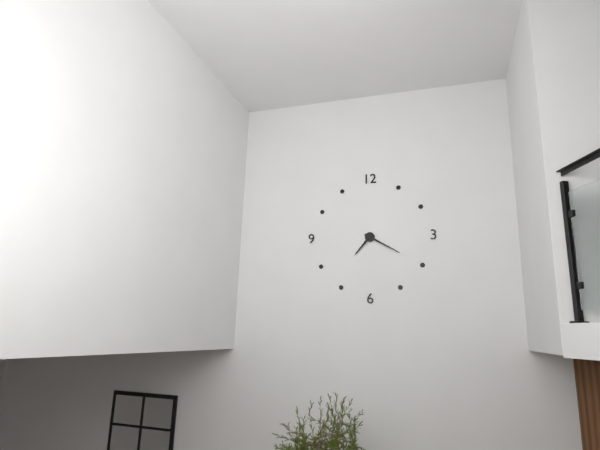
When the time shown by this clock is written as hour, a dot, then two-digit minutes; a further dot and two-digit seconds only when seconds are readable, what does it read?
7.20
